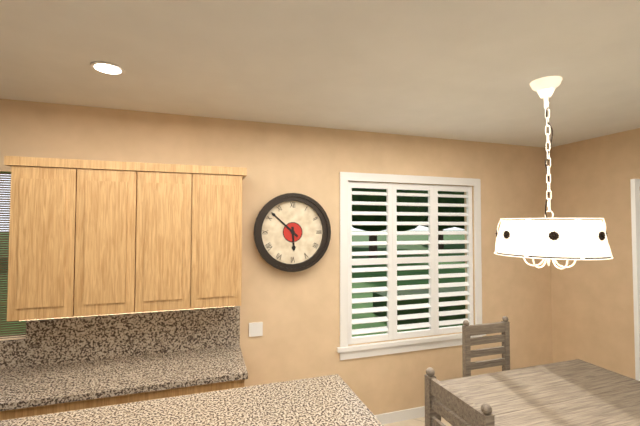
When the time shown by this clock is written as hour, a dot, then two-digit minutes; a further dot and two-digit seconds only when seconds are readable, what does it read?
5.52
